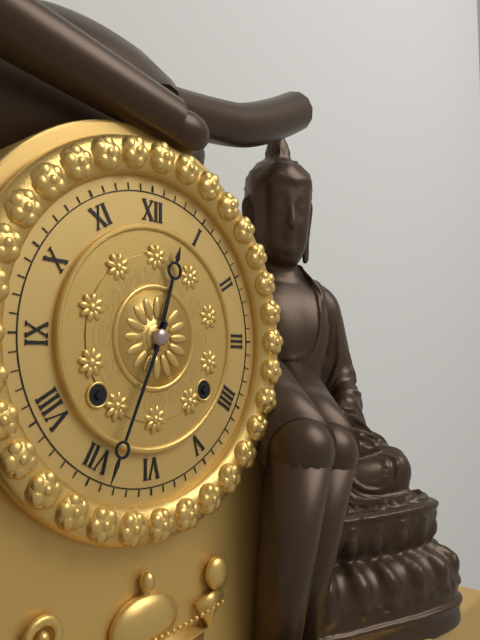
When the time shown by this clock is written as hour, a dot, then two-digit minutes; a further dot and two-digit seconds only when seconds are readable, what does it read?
12.34
